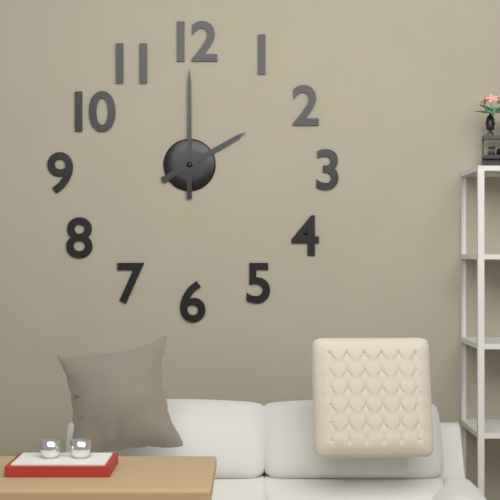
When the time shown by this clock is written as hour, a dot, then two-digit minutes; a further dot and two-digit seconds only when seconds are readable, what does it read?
2.00
